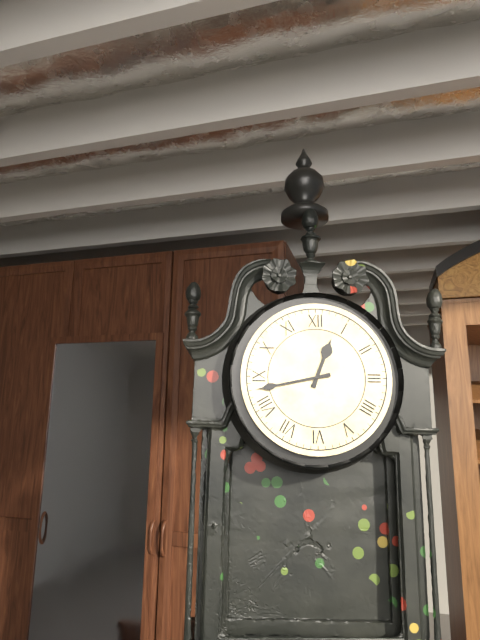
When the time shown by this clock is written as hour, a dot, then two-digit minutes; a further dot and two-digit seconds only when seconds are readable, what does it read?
12.43
